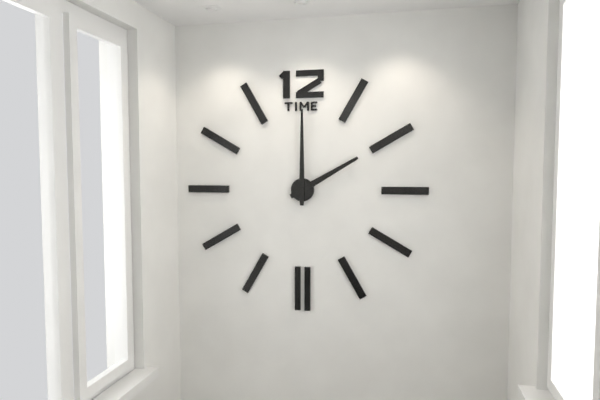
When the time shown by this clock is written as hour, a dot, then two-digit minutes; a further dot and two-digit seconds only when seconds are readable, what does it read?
2.00
